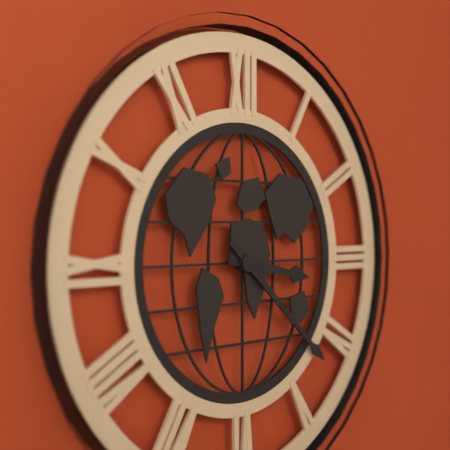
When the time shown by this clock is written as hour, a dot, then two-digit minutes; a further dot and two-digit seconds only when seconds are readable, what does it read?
3.22
